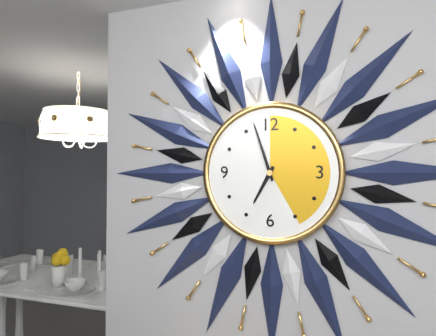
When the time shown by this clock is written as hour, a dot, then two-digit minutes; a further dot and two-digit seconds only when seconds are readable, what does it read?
6.57
